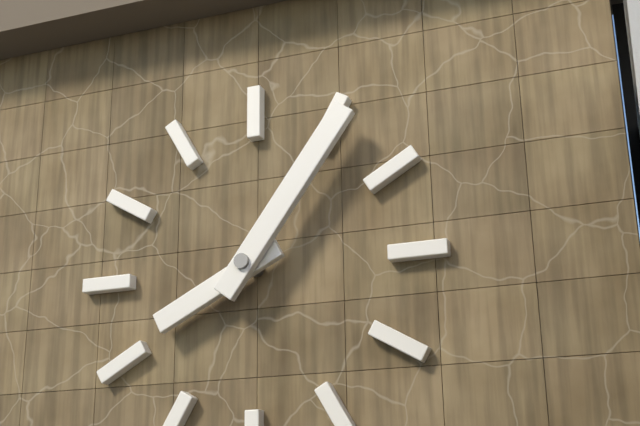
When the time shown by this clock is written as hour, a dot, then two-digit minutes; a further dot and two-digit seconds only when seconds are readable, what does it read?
8.06
